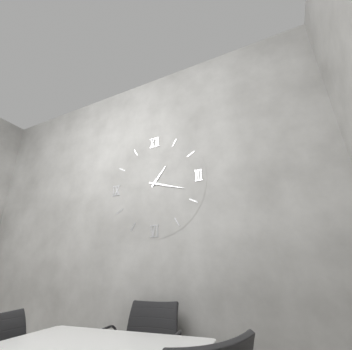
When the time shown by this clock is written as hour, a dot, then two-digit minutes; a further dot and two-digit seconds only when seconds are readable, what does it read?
1.18
